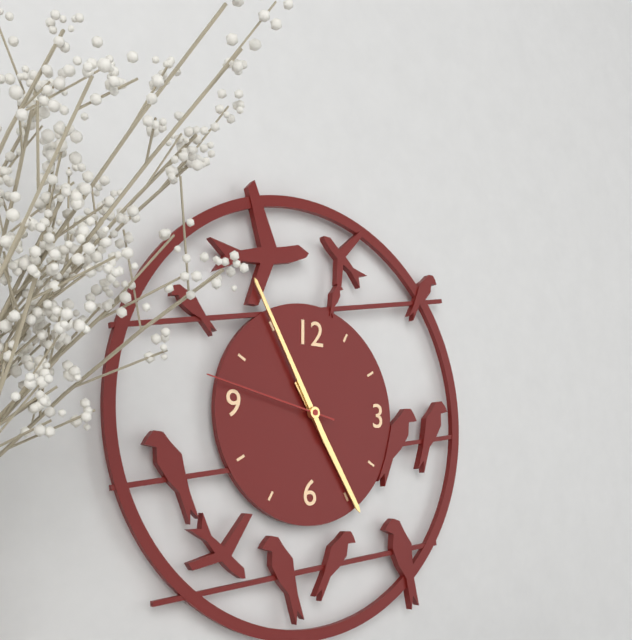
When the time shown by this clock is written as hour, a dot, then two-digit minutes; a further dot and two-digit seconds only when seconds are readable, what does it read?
4.55.47
